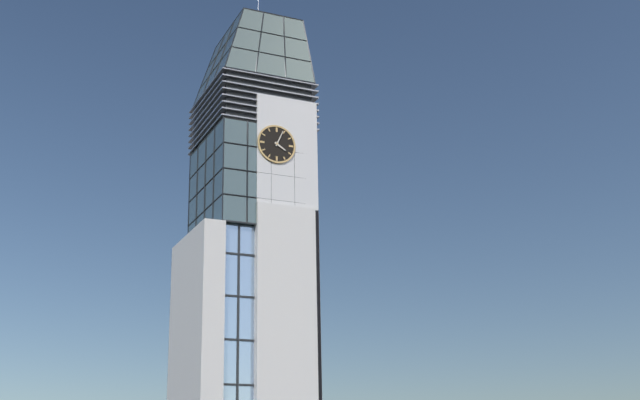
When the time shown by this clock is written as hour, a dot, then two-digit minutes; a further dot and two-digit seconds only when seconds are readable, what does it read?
4.04
